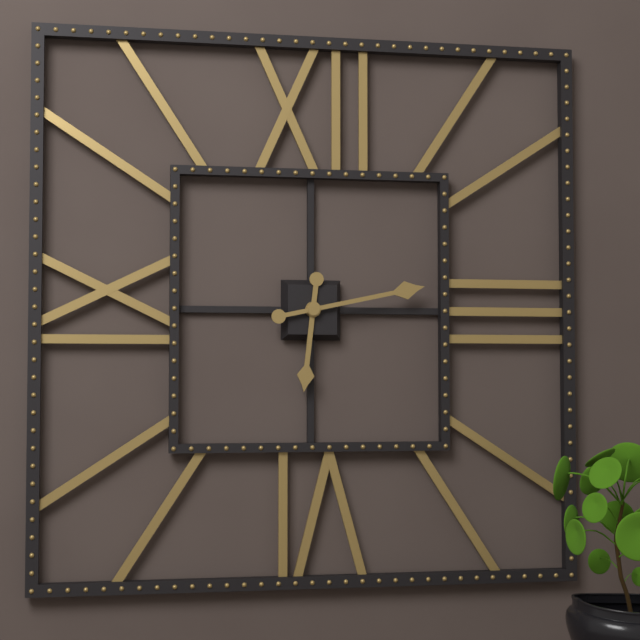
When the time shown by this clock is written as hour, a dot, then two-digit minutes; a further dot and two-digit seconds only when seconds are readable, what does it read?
6.13
